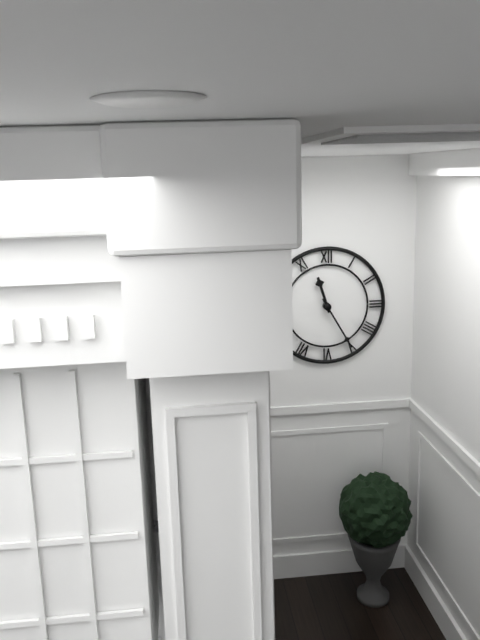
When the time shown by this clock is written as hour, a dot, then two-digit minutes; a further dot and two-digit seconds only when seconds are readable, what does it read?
11.25
